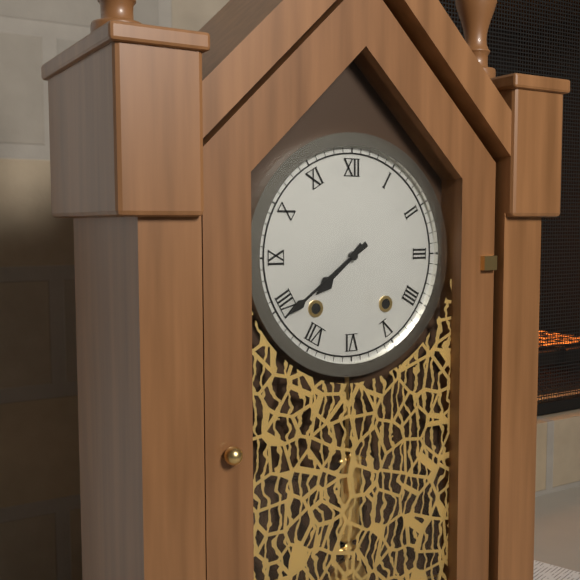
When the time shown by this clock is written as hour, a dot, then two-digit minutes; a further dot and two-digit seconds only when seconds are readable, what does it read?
7.39
